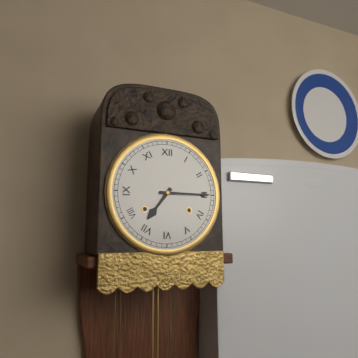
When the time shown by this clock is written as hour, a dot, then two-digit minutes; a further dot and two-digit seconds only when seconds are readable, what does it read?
7.15
